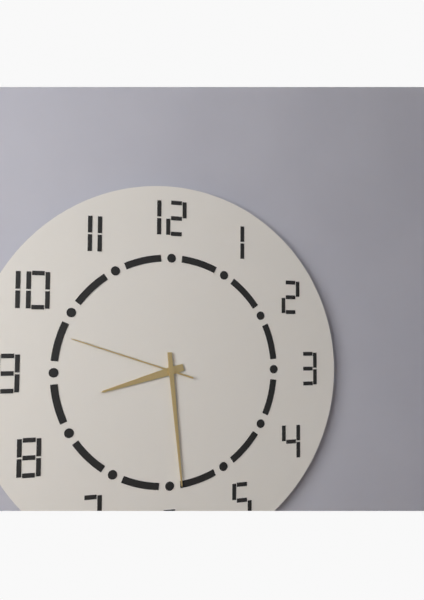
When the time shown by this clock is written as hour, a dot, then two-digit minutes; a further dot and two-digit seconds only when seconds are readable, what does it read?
8.29.48
